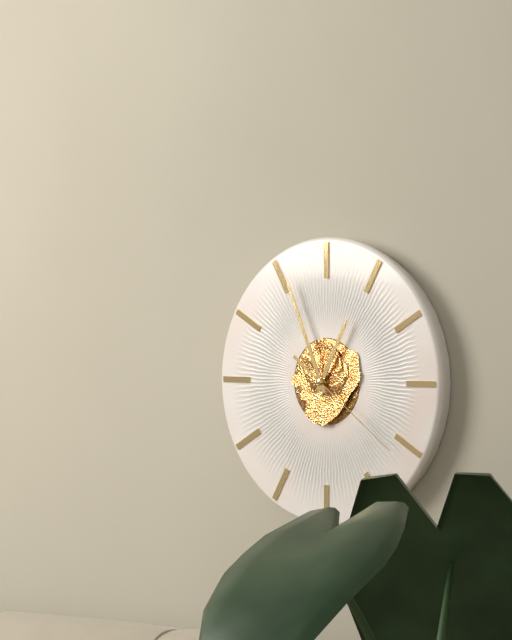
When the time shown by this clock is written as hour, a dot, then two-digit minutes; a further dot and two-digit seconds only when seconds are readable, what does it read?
12.56.21
